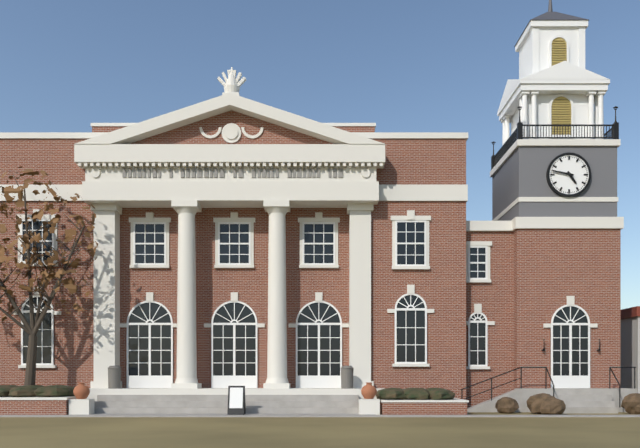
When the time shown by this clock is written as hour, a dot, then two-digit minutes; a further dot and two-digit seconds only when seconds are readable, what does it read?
4.47
